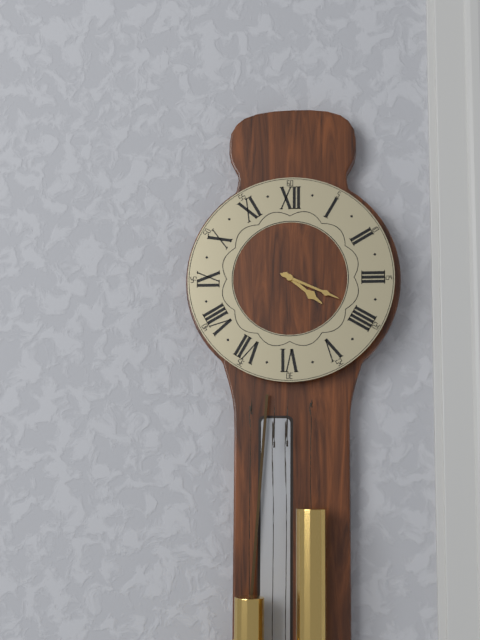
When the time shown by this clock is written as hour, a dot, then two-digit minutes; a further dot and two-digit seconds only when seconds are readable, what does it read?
4.19
